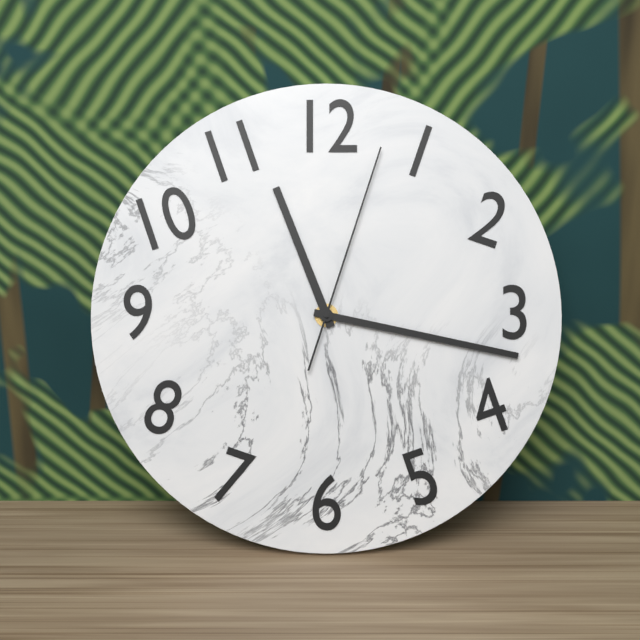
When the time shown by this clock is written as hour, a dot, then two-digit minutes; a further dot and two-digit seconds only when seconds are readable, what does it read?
11.17.03
